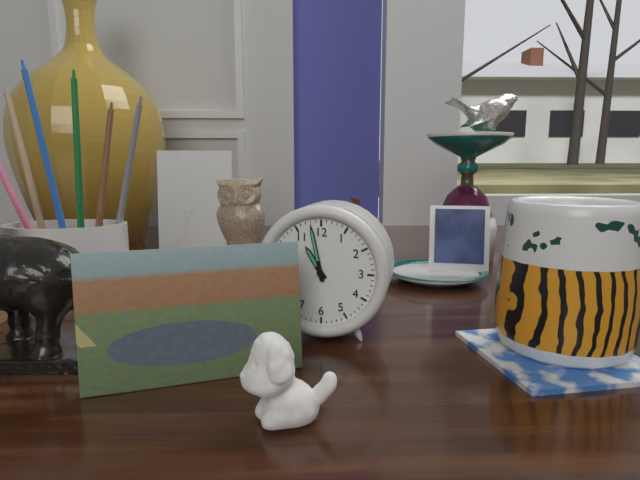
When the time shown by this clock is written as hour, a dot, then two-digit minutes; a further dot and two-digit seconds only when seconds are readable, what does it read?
10.58
